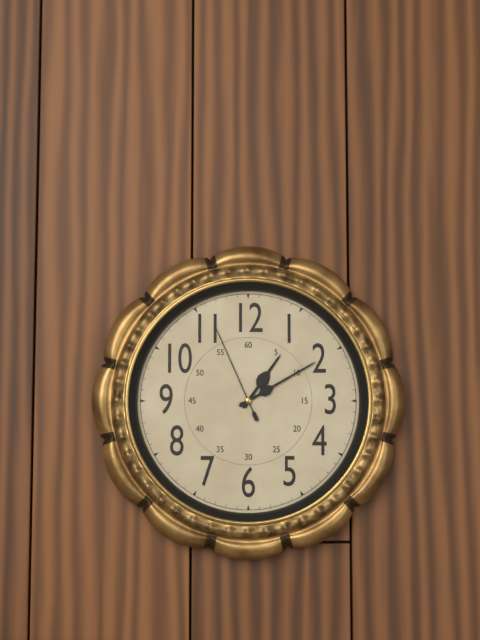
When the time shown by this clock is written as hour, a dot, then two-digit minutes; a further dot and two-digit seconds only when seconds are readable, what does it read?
1.10.56
